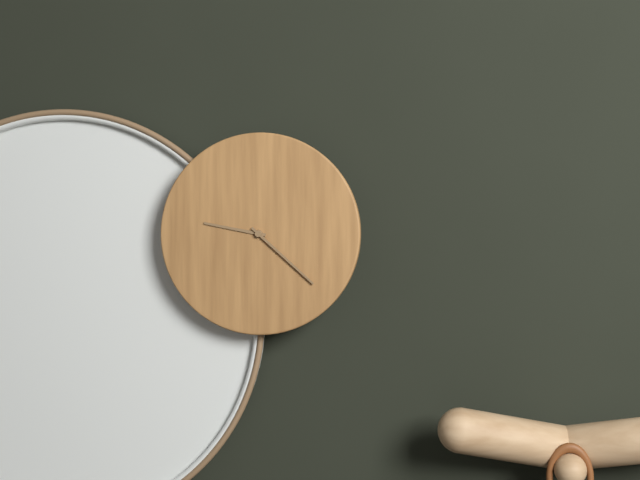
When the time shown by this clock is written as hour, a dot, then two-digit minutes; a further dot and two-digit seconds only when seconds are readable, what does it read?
9.22
